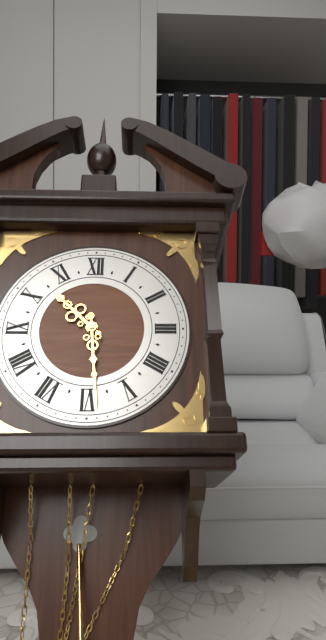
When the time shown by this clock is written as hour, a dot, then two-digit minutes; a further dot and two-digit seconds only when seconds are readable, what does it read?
10.29
